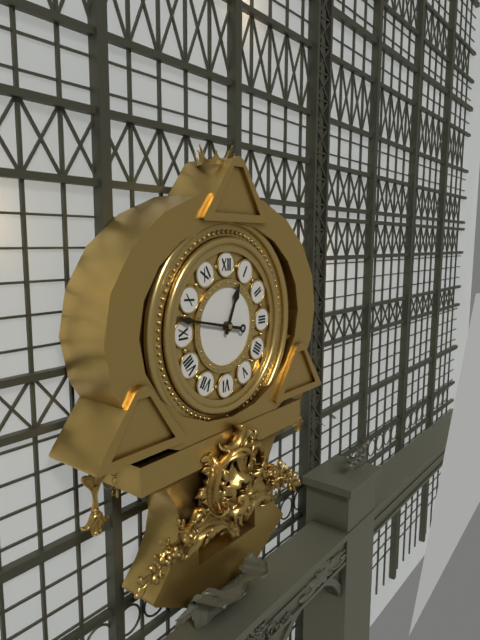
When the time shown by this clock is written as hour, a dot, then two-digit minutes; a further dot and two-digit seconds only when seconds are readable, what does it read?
12.47
